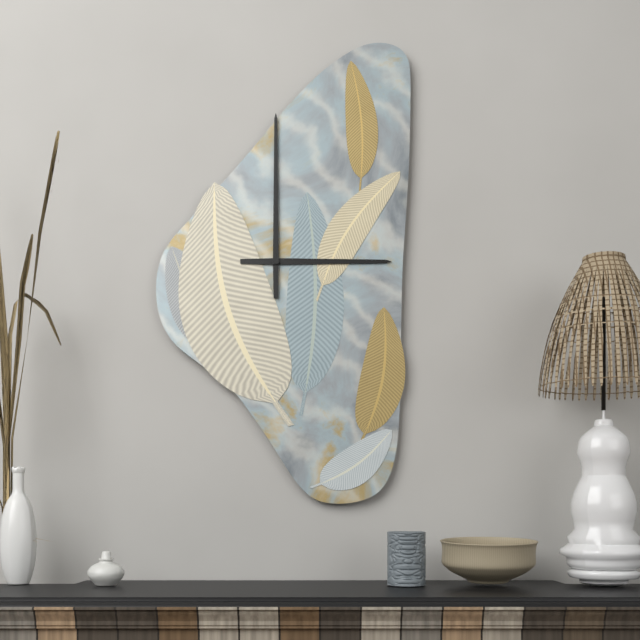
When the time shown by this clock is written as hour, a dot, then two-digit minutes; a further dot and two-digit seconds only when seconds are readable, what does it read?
3.00
